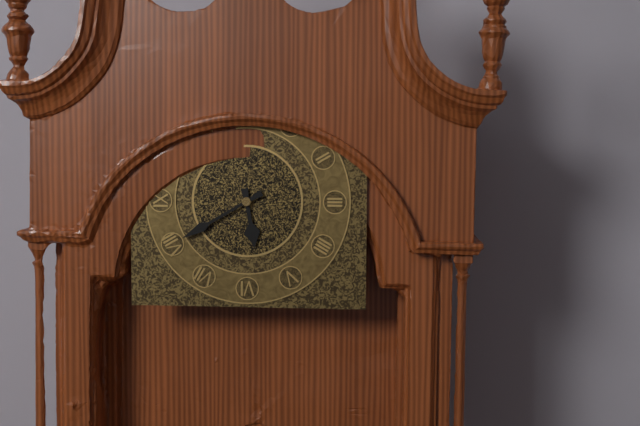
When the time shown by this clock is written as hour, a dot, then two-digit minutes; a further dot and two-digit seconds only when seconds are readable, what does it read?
5.40
